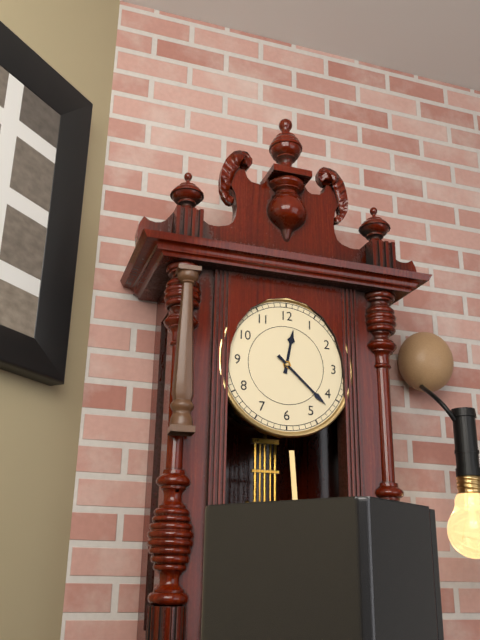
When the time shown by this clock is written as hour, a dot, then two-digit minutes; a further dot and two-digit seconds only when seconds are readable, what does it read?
12.22
